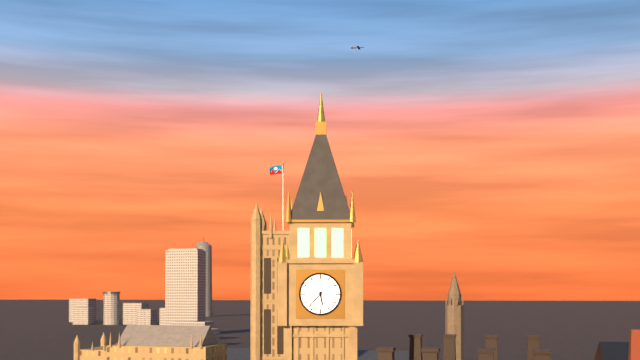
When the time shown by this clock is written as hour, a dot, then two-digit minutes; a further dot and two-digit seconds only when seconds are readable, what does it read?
5.37
